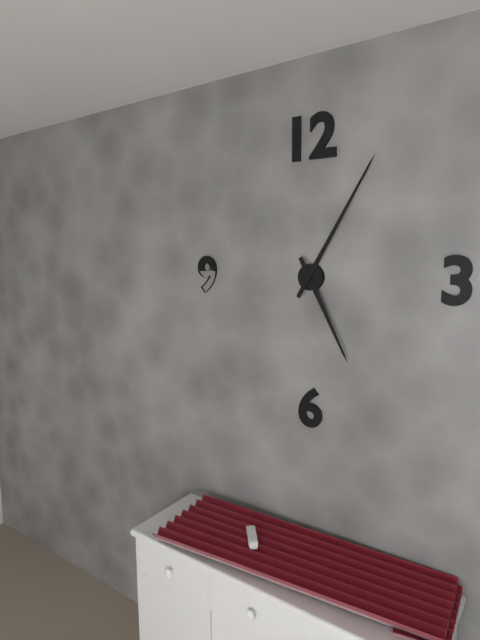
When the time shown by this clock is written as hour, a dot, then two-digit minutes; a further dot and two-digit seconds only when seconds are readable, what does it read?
5.05
